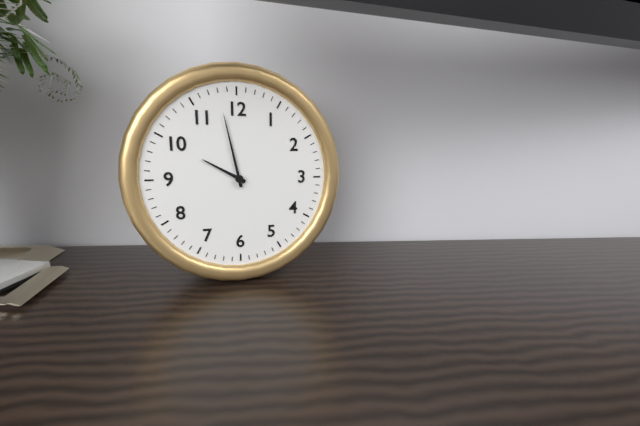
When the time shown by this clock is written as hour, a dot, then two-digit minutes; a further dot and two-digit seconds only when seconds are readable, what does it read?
9.58
